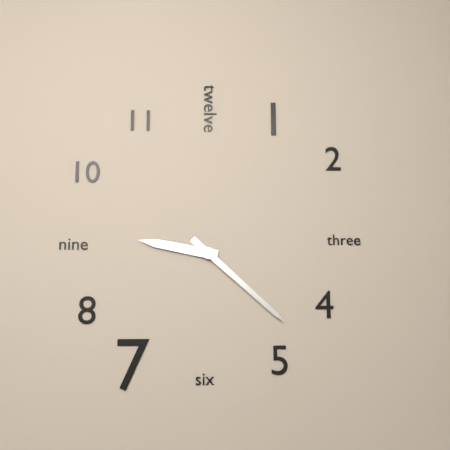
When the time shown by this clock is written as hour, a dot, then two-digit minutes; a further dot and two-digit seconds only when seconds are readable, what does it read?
9.22
